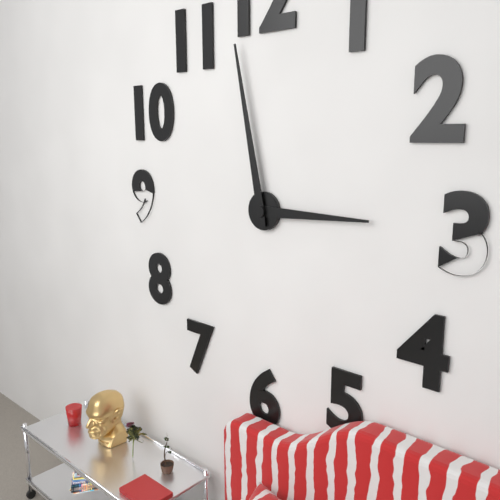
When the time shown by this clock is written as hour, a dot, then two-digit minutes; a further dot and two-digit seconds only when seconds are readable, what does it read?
2.58
